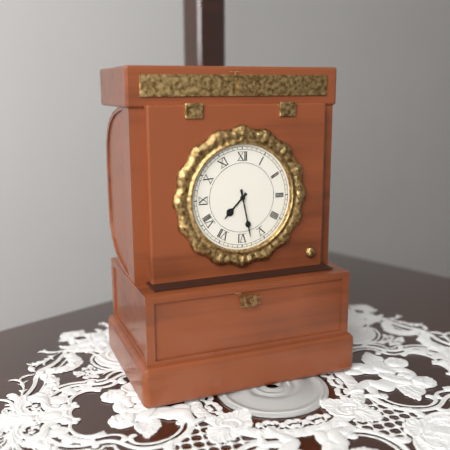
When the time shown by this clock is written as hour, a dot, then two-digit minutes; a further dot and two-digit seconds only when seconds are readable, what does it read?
7.28
